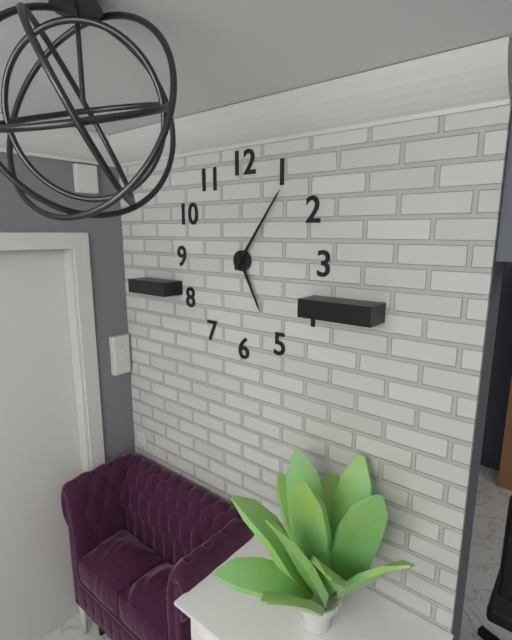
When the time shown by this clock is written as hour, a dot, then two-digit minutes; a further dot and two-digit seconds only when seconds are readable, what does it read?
5.06
